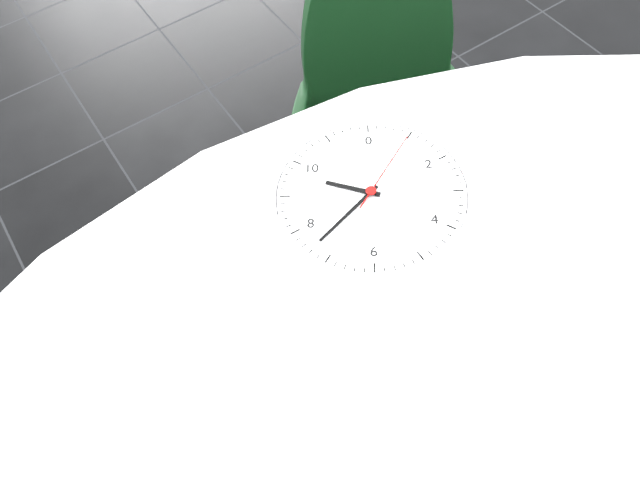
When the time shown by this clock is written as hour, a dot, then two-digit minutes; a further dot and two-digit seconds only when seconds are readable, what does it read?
9.37.05
